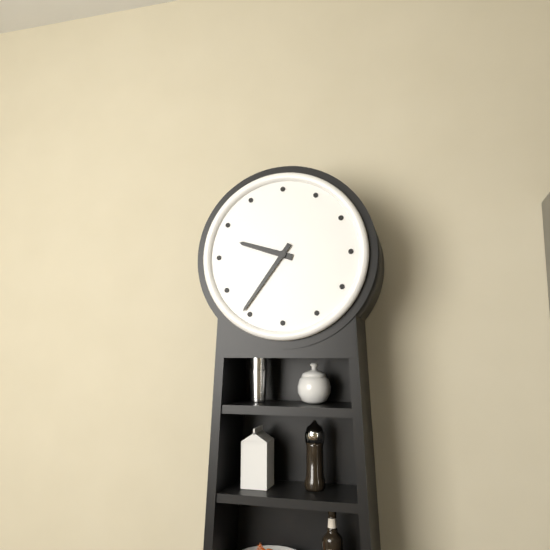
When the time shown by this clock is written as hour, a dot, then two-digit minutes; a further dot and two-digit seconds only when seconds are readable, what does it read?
9.36
